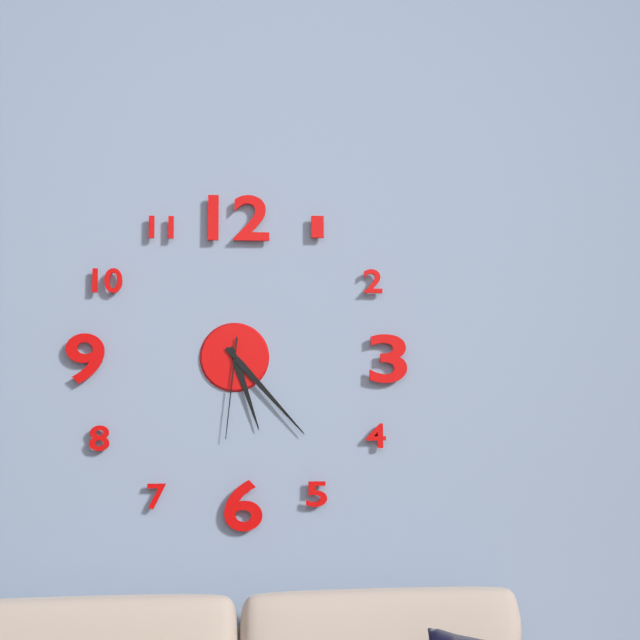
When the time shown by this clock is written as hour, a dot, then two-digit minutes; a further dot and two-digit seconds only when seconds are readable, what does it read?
5.23.31
